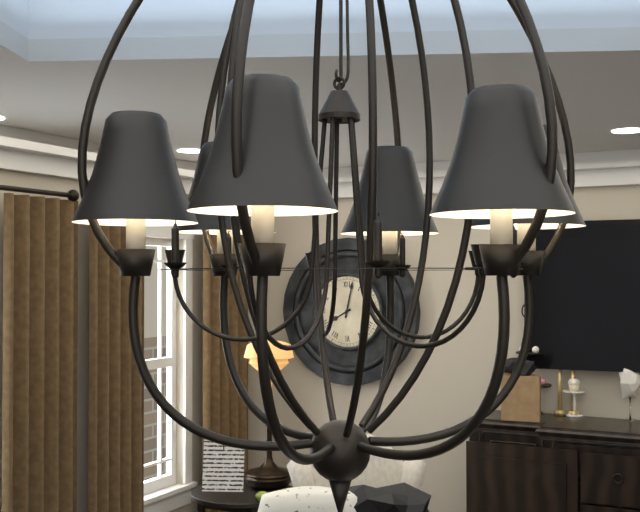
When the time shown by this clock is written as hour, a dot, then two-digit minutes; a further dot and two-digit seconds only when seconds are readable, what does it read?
8.02
